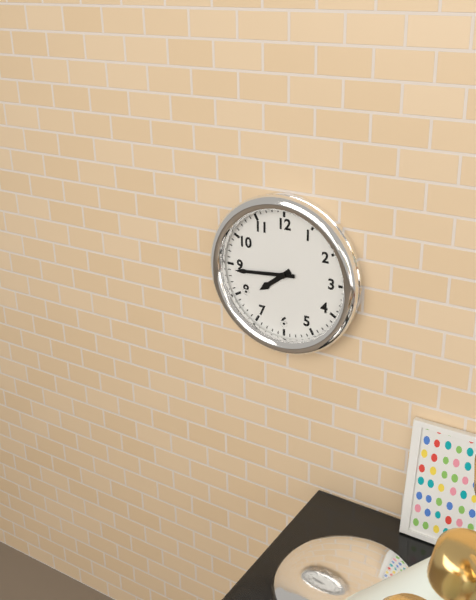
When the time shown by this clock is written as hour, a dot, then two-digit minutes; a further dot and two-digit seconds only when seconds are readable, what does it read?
7.44
